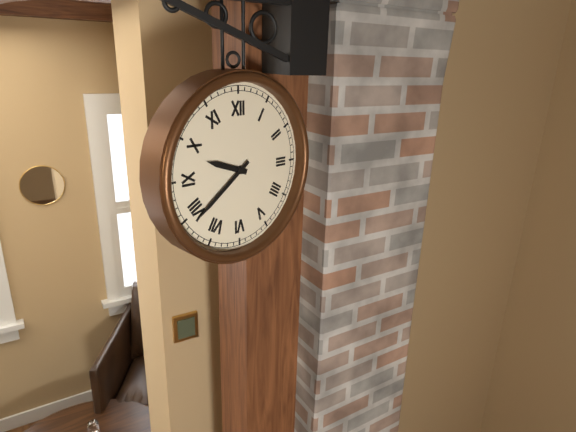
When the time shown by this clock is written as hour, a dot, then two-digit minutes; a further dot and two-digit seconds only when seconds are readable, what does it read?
9.39
